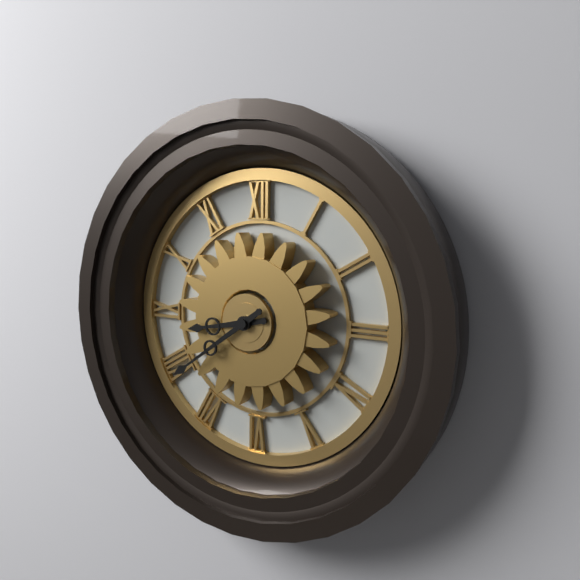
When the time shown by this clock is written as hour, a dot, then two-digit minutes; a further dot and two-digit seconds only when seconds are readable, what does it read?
8.39
